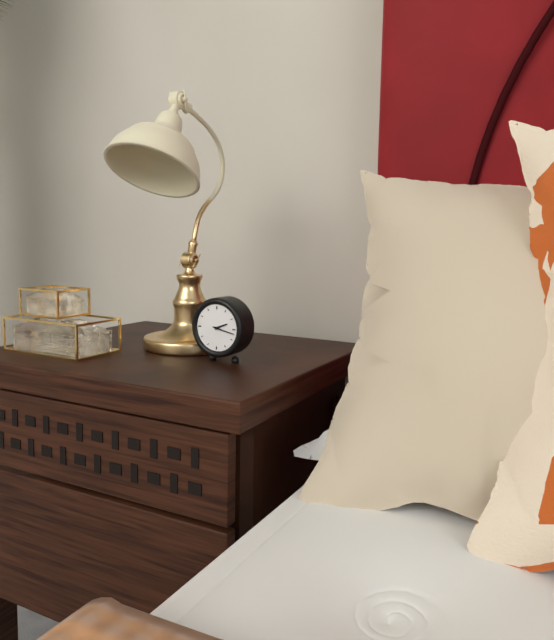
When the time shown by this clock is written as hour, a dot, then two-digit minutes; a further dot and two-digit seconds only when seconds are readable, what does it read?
2.17
